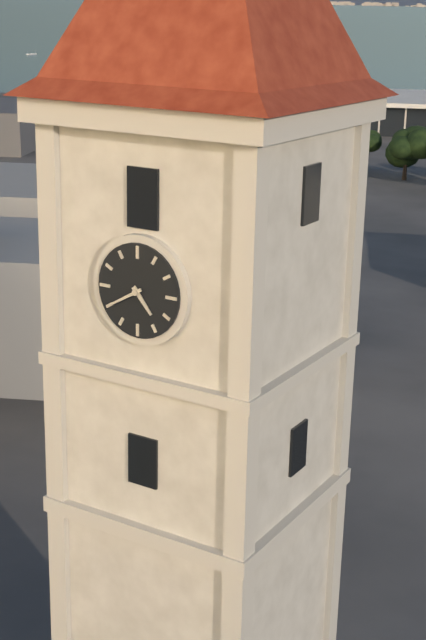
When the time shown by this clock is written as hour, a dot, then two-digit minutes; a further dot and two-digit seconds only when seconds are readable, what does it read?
4.40
